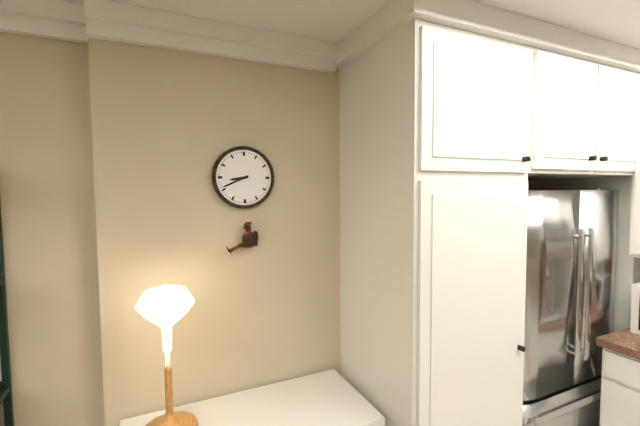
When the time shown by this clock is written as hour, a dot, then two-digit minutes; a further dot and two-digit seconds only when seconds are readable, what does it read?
8.41
